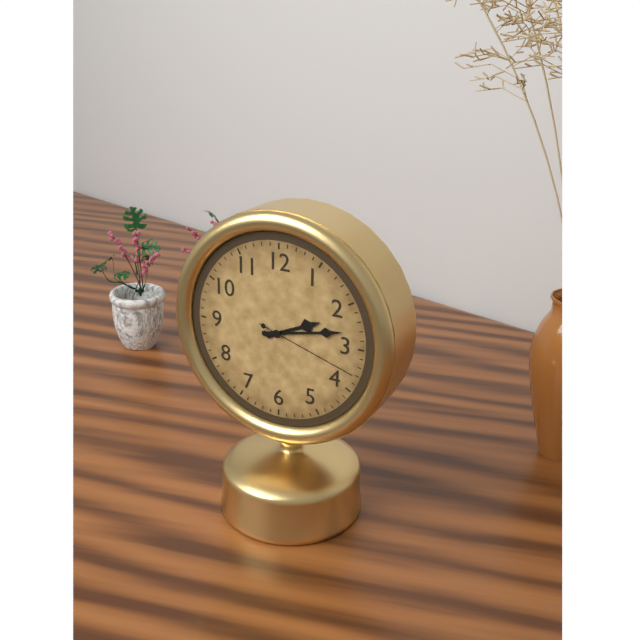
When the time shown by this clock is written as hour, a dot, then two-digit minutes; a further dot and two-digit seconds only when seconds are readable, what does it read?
2.13.18
